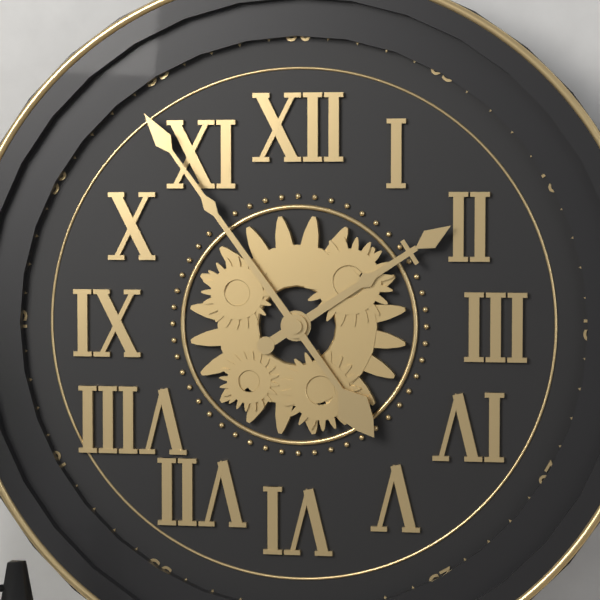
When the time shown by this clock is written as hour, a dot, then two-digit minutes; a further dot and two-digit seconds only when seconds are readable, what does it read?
1.54
